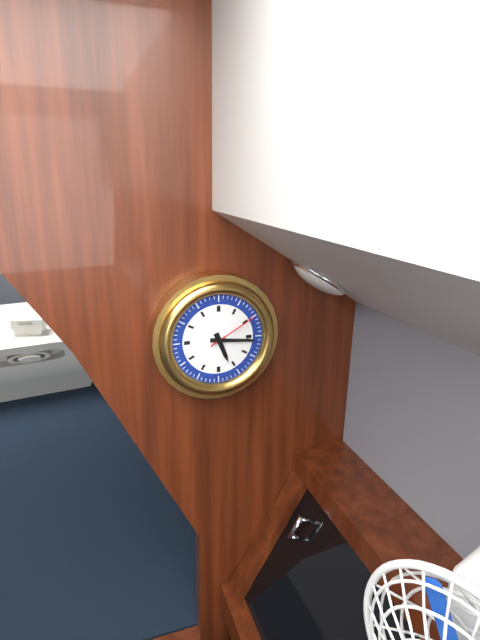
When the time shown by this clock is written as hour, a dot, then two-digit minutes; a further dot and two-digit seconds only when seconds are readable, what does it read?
5.16.10
